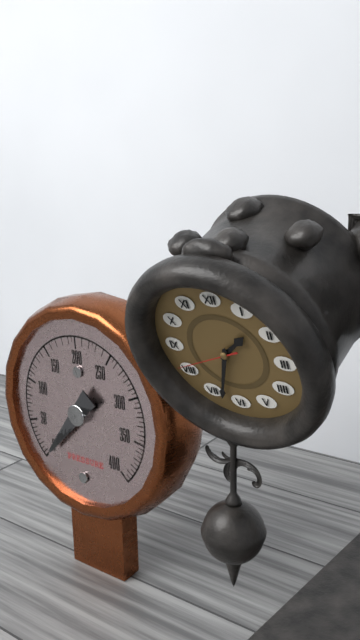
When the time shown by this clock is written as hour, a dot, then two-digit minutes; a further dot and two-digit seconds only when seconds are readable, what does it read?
1.33.41
